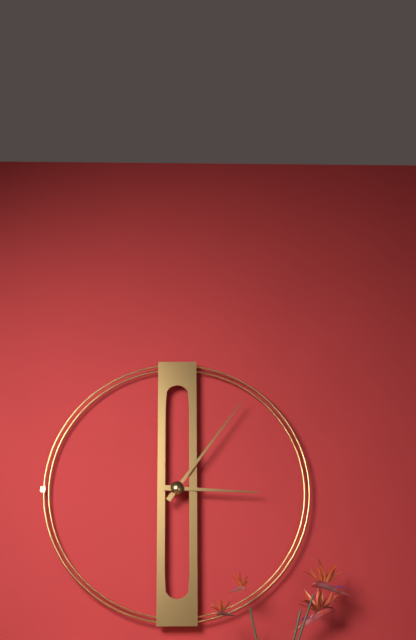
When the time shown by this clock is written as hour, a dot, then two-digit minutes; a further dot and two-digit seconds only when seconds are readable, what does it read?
3.06
